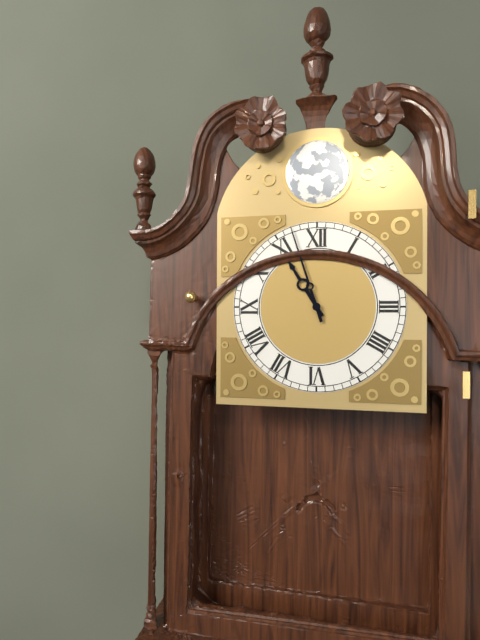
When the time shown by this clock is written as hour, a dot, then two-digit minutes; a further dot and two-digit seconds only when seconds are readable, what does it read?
10.57
